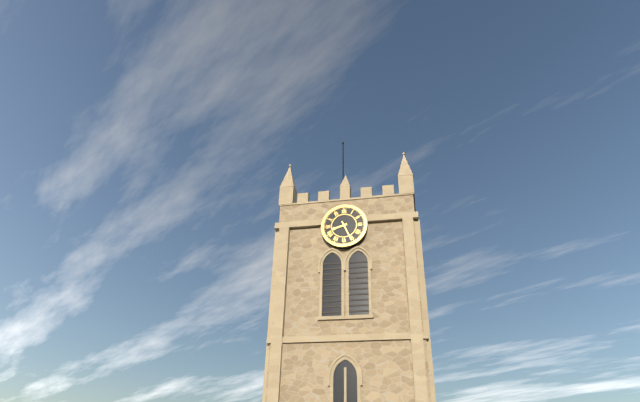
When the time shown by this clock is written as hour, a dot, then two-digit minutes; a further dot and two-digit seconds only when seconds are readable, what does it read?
8.26
